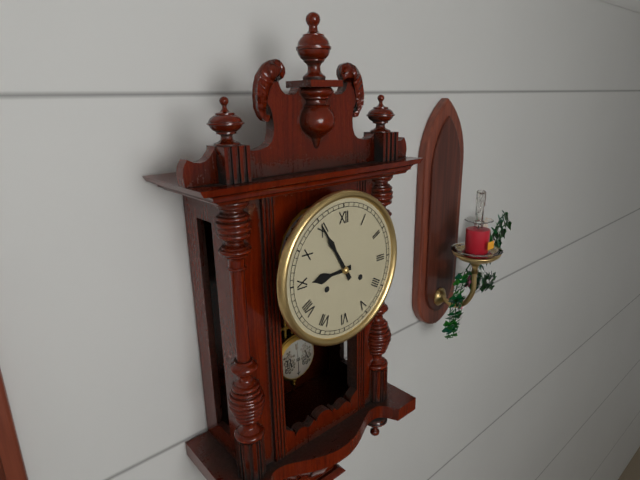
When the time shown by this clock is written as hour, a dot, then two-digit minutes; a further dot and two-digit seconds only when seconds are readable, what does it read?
8.55
